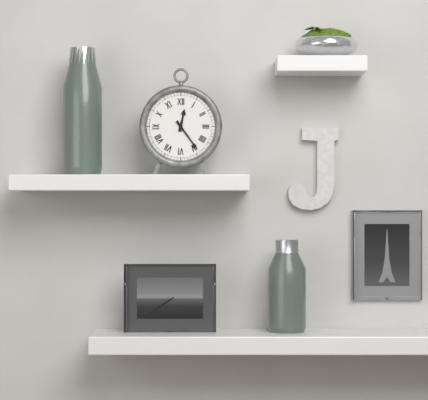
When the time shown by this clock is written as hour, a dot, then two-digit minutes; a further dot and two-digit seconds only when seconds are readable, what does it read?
12.24
